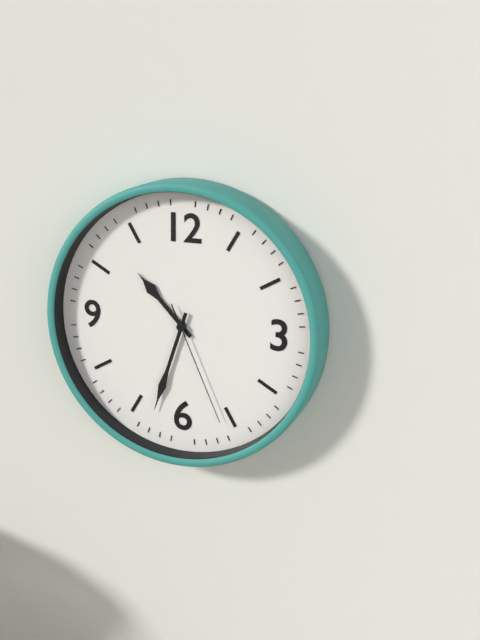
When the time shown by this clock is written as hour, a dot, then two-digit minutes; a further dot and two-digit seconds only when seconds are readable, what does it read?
10.33.26
